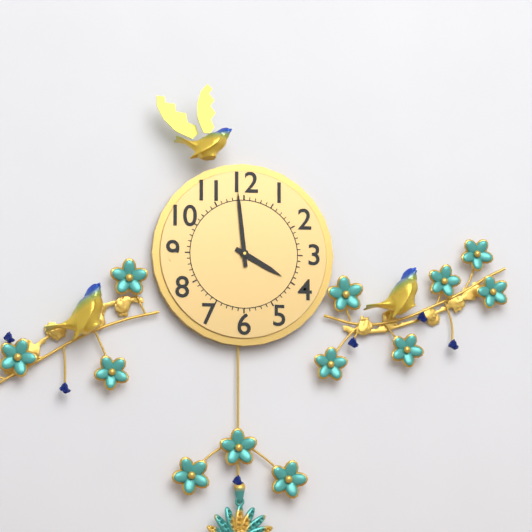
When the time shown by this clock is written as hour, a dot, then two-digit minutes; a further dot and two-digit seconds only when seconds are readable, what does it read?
3.59
